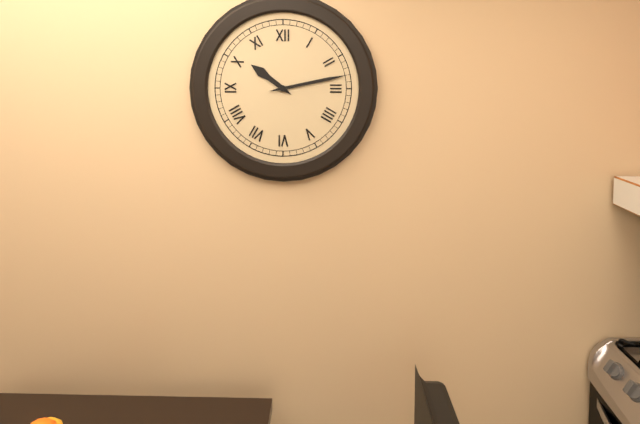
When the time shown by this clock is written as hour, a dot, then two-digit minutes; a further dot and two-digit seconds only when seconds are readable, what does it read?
10.13
